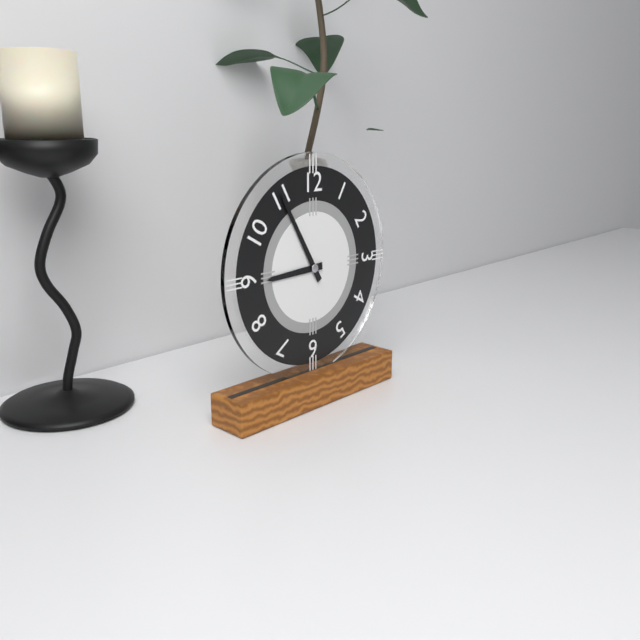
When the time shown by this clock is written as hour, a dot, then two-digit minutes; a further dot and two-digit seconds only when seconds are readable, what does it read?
8.55
